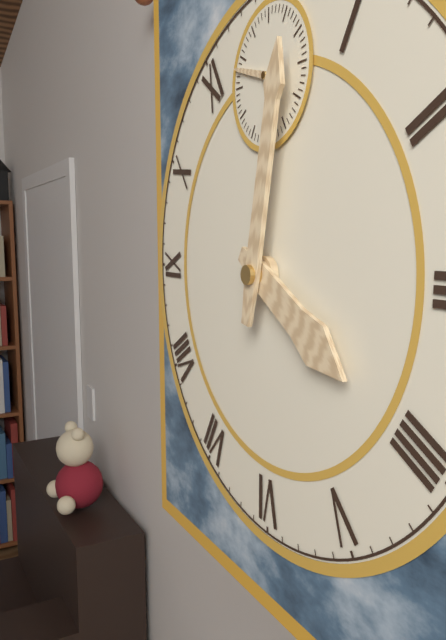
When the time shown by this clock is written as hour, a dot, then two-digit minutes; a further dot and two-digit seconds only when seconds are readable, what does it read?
4.02
